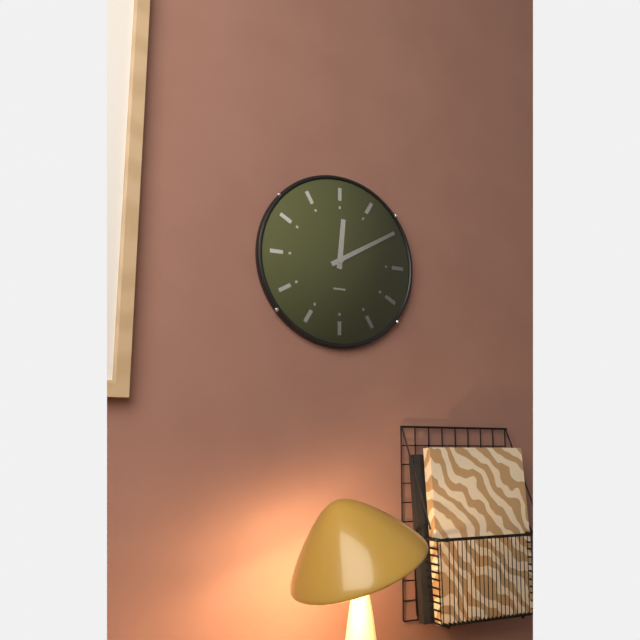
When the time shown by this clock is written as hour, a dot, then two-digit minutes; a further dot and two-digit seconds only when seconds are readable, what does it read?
12.10
